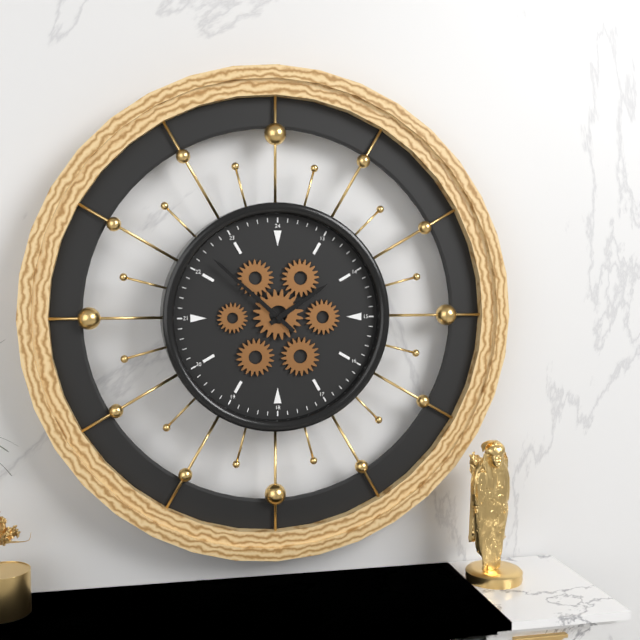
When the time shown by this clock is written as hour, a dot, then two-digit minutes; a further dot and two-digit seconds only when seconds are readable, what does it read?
1.52
